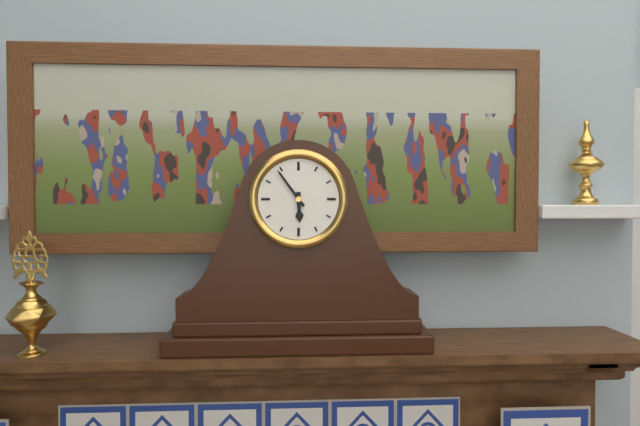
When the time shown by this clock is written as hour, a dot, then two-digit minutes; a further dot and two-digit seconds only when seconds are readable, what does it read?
5.54
